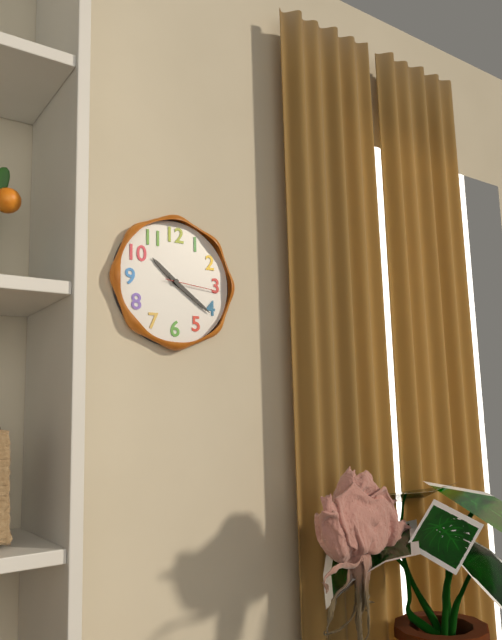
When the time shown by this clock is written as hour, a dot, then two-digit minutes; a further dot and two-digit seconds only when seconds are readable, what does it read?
10.21.16
